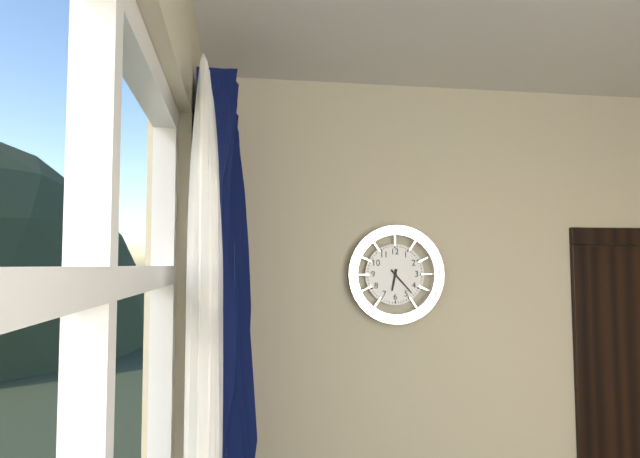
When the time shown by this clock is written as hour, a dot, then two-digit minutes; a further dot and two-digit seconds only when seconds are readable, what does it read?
6.23
